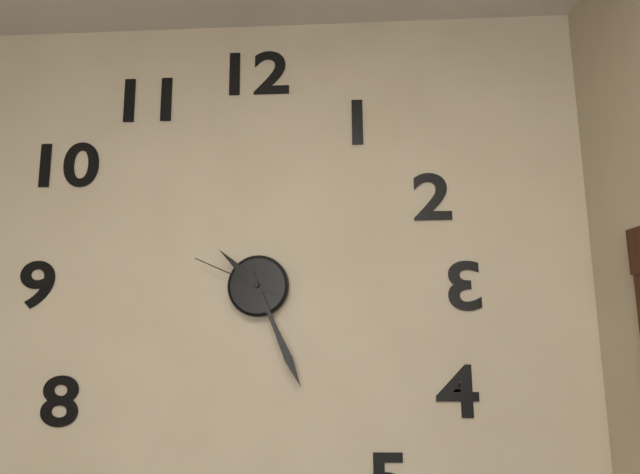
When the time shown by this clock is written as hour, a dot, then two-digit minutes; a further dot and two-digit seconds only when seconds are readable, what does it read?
10.26.49
